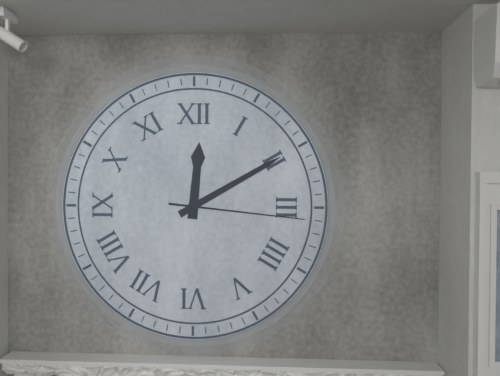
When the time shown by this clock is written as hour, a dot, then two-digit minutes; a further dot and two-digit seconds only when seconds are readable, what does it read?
12.10.16
